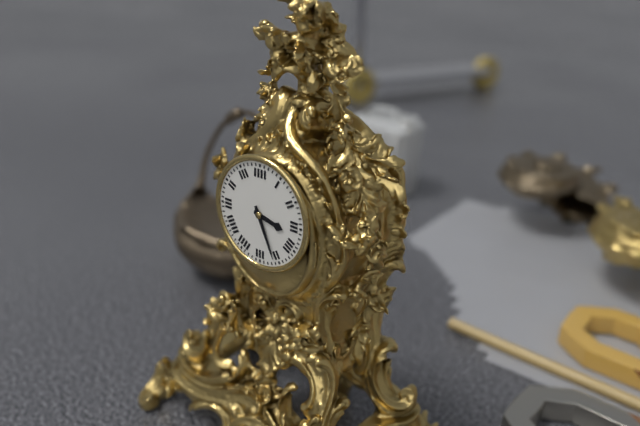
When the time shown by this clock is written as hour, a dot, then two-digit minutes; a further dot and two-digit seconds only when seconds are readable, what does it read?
3.26
